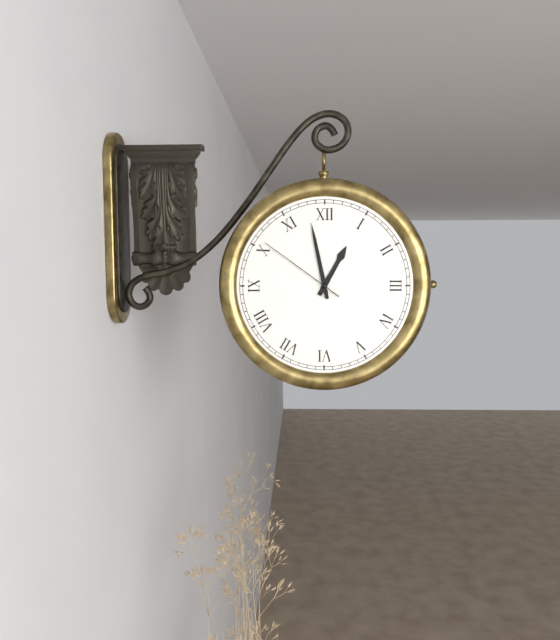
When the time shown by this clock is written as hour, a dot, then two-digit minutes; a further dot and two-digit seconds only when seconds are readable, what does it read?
12.58.51
